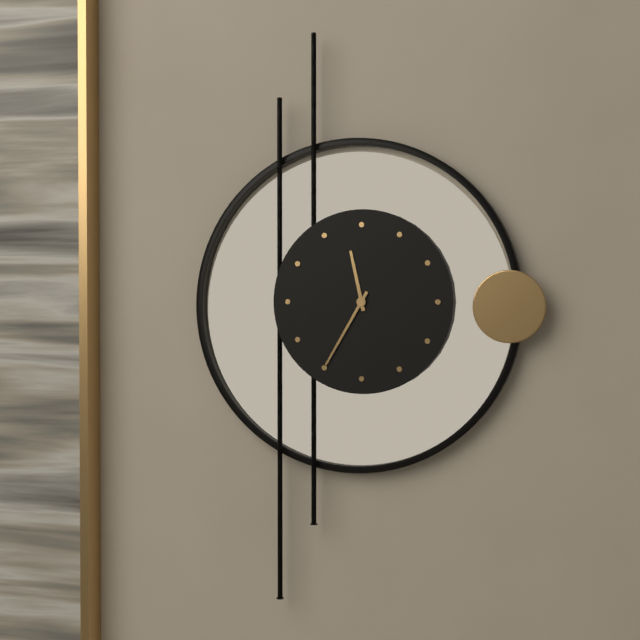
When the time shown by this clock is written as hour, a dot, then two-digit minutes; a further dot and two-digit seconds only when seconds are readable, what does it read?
11.35
